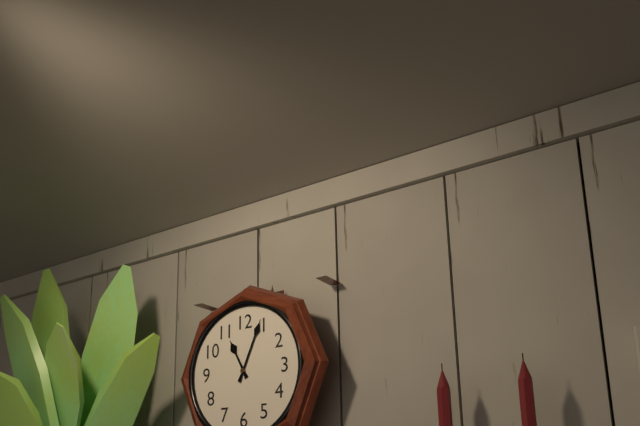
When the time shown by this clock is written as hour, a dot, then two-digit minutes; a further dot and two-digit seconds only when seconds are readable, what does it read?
11.04
